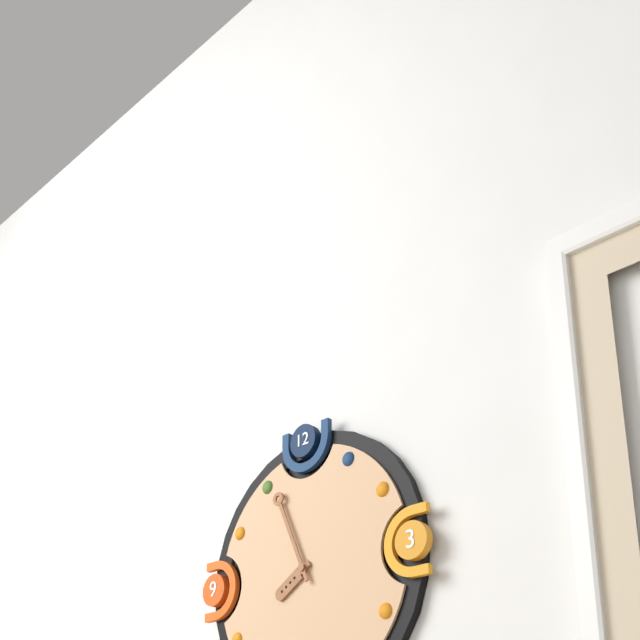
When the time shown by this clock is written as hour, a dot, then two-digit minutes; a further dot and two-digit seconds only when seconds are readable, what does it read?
7.56
